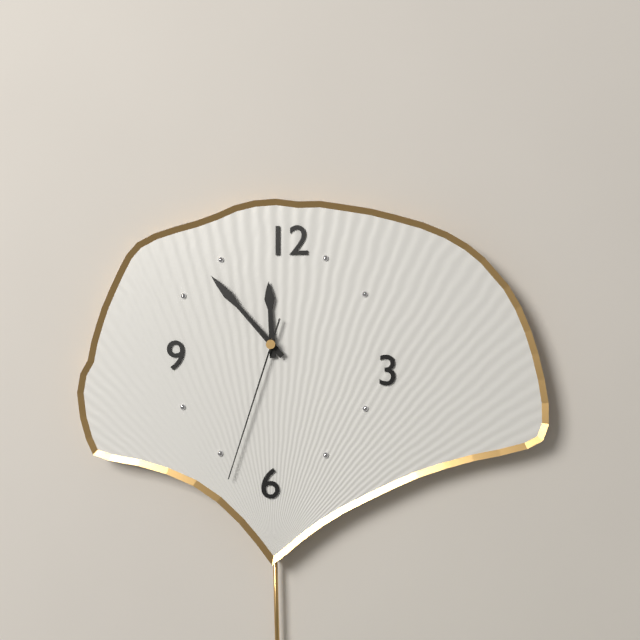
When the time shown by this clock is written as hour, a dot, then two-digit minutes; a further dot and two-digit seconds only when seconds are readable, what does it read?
11.53.33
